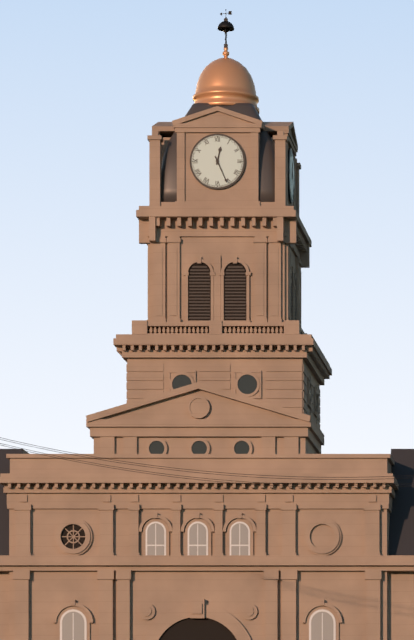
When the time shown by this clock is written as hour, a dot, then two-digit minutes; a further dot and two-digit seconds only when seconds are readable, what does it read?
12.26
